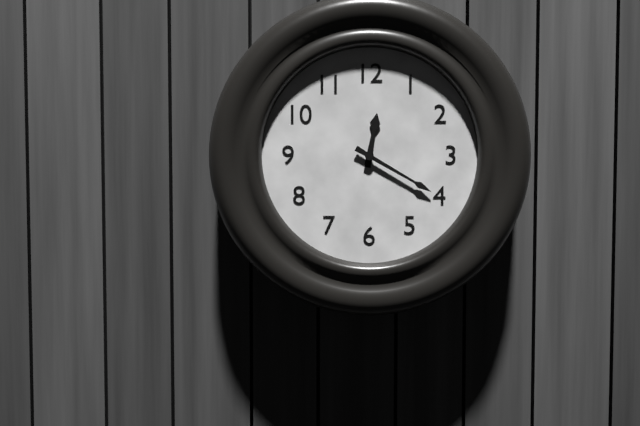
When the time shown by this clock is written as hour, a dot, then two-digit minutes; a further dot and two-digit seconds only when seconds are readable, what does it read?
12.20
